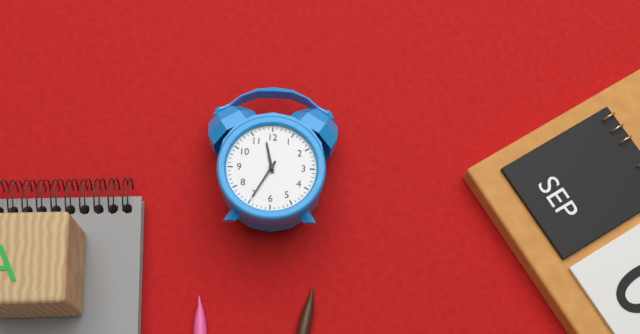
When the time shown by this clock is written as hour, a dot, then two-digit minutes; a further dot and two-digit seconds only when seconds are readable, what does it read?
11.35
